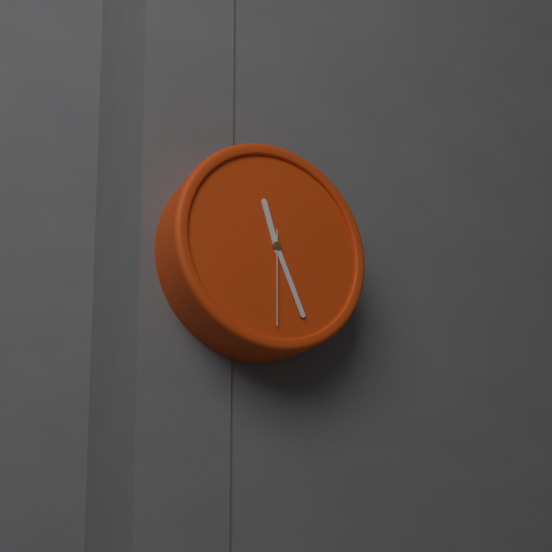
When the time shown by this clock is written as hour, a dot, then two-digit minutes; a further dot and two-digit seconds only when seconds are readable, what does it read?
11.26.30
